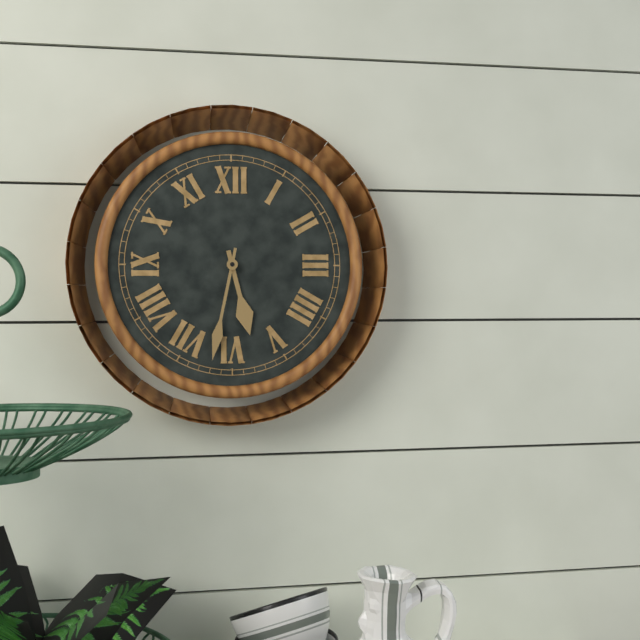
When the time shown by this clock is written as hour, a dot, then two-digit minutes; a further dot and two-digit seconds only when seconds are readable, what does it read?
5.32
